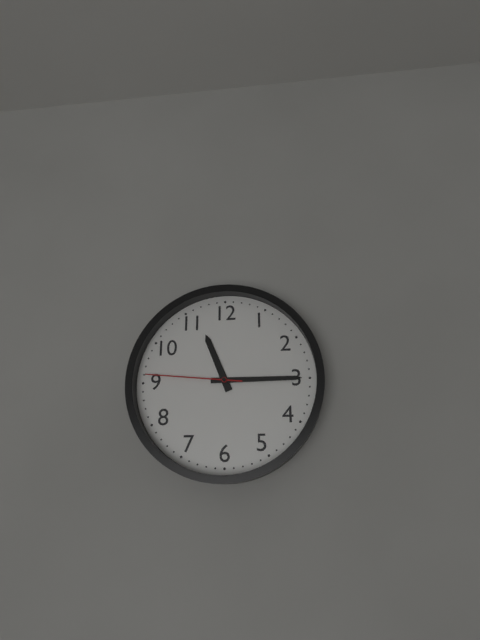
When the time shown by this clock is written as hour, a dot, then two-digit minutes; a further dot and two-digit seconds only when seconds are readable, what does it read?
11.15.46
